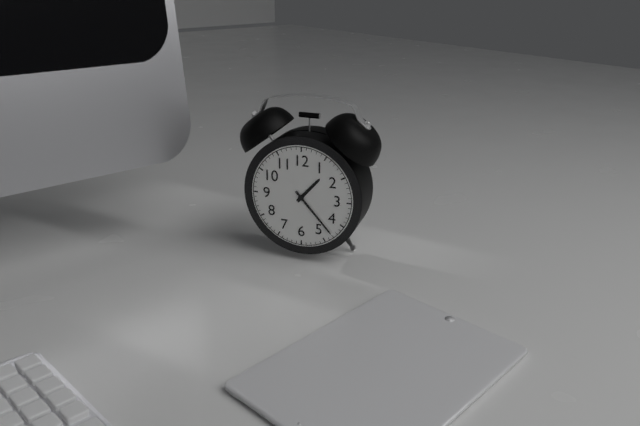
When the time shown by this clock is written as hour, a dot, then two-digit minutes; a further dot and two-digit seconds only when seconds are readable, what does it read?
1.23
